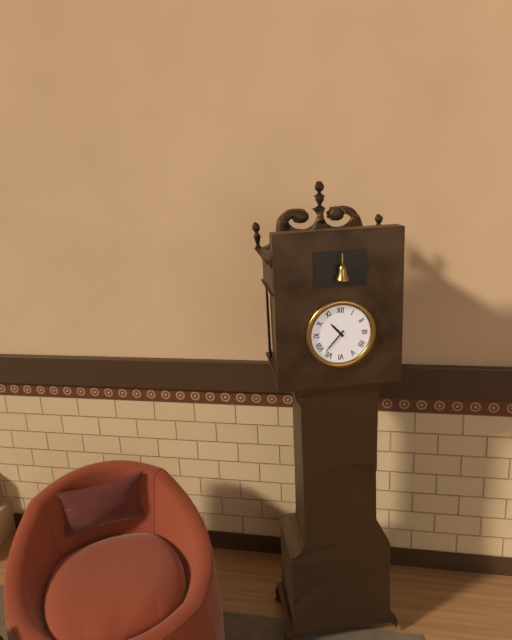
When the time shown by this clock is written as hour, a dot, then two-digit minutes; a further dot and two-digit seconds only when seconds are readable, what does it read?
10.37
